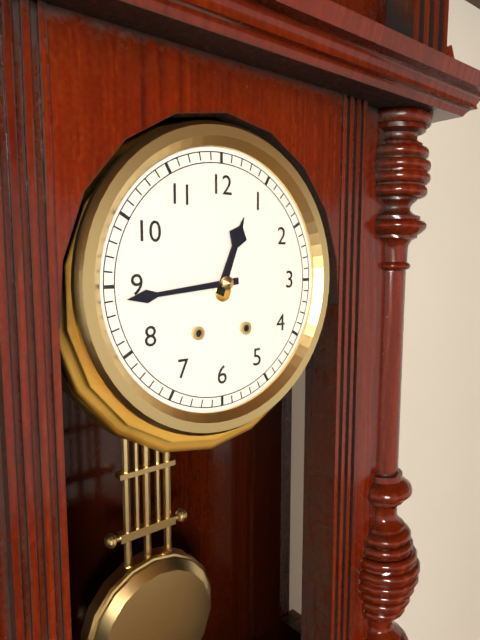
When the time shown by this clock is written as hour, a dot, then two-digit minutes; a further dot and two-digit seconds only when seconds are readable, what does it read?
12.44
